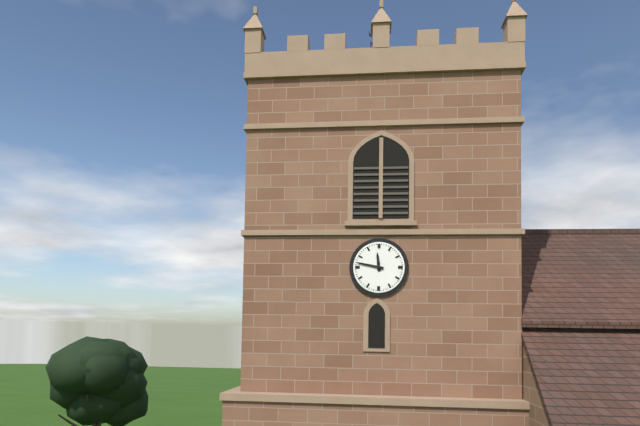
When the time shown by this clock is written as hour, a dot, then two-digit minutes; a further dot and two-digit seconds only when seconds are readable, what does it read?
11.47
